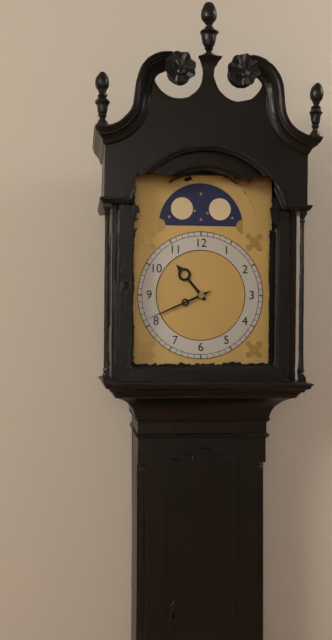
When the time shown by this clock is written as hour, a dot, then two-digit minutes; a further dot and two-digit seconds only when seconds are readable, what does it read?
10.41
